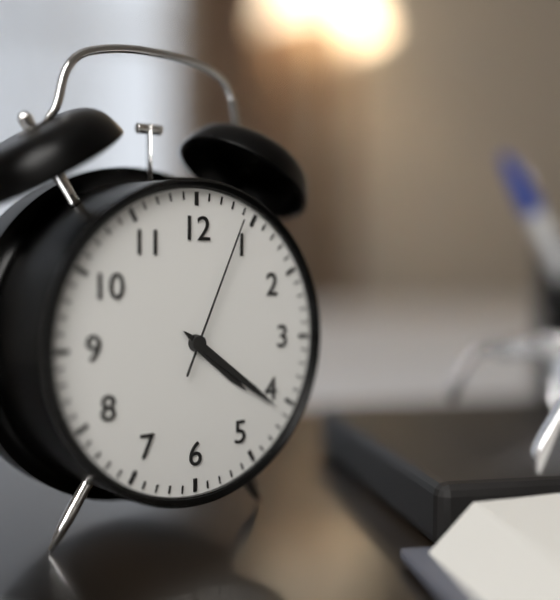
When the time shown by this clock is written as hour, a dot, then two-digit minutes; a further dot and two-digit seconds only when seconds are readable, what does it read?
4.21.04
